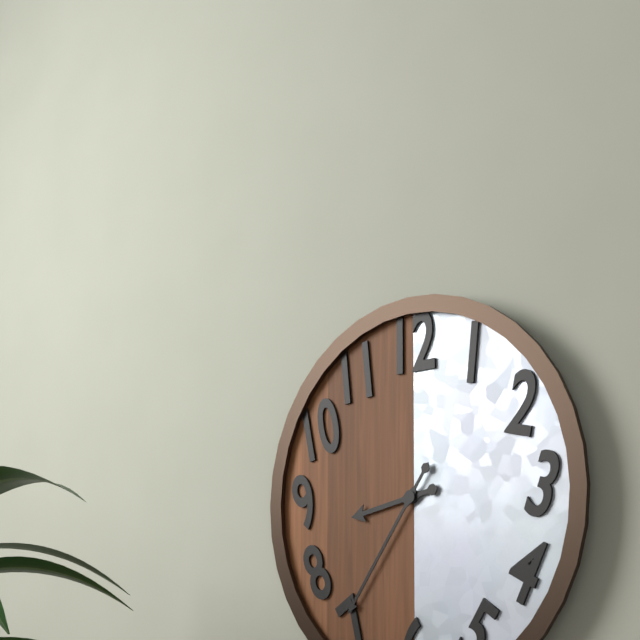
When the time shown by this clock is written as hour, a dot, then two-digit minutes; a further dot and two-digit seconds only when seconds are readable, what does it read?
8.36
